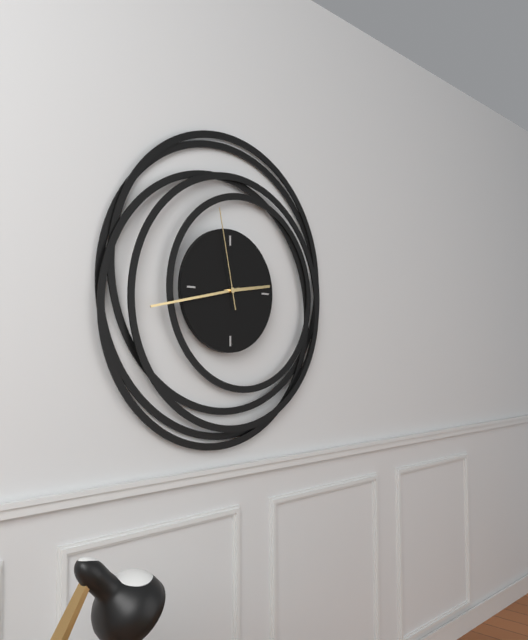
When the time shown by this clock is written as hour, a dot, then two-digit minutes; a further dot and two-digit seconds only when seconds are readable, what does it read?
2.43.58
